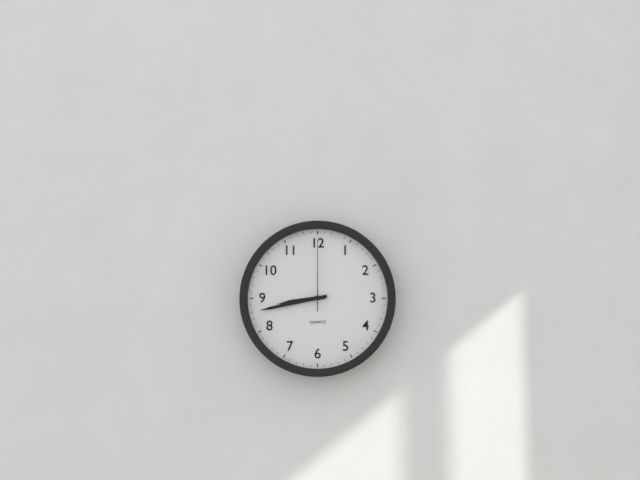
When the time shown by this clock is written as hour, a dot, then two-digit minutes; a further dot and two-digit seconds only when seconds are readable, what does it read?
8.43.00
